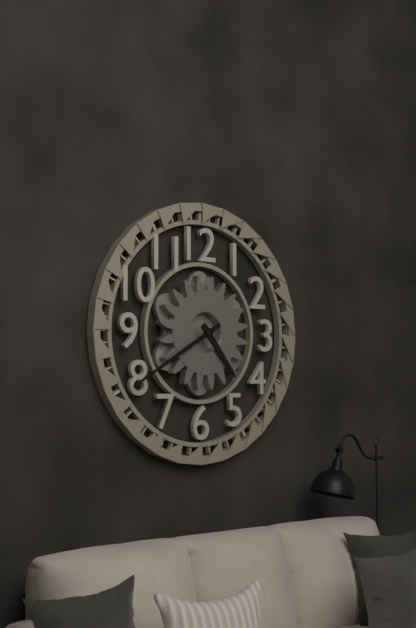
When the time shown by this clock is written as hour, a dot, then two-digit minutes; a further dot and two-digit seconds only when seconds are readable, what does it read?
4.40
